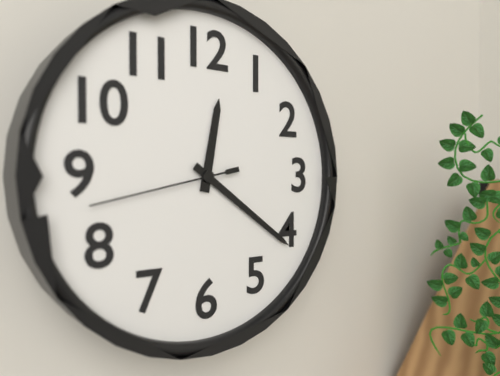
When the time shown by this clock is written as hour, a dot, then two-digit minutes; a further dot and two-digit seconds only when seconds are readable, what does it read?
12.21.43
